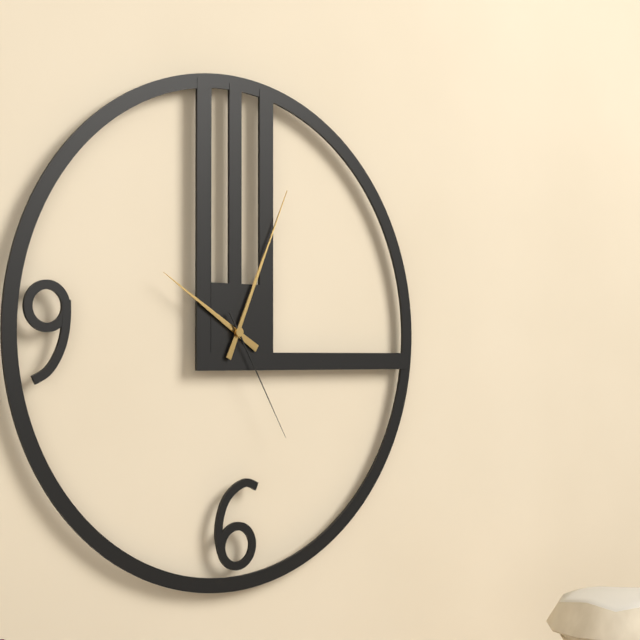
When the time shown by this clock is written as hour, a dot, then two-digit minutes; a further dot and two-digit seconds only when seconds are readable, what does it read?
10.04.25
